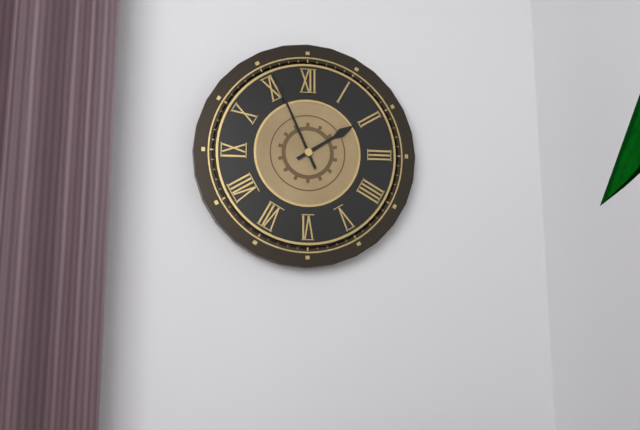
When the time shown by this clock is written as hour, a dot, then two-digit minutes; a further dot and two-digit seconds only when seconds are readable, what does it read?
1.56
